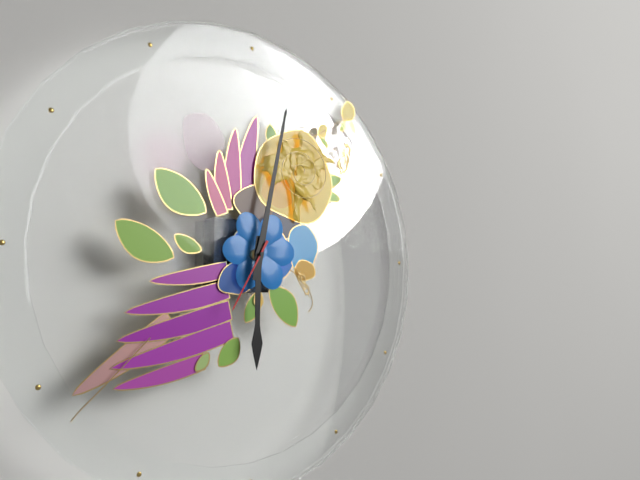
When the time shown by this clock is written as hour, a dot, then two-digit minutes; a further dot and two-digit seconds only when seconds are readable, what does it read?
6.02.35
